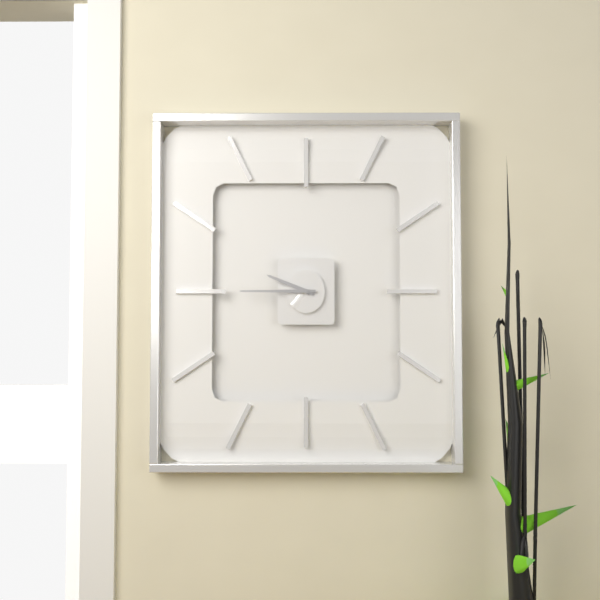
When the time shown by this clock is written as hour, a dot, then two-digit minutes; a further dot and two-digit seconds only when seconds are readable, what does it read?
9.45
